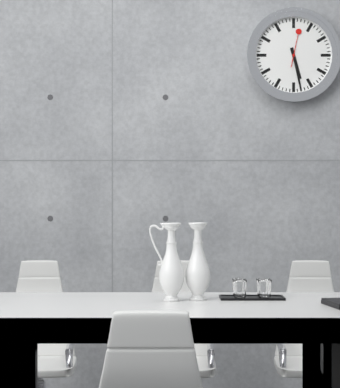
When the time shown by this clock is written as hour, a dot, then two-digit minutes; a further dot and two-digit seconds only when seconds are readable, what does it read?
5.28
